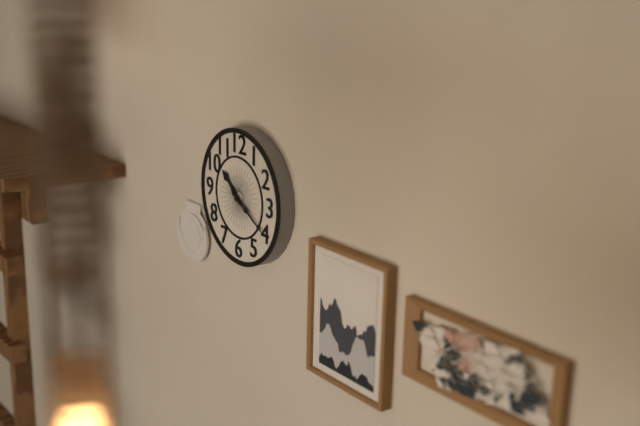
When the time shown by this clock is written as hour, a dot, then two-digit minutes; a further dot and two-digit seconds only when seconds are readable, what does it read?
10.20
